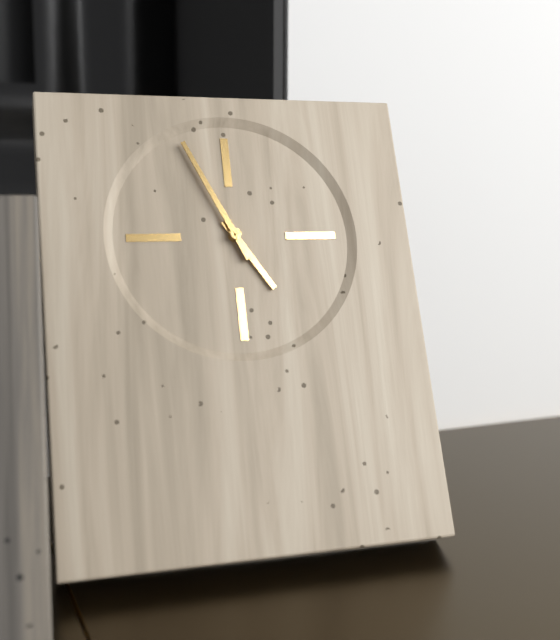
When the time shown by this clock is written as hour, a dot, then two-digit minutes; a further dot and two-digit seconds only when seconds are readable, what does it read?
4.56
